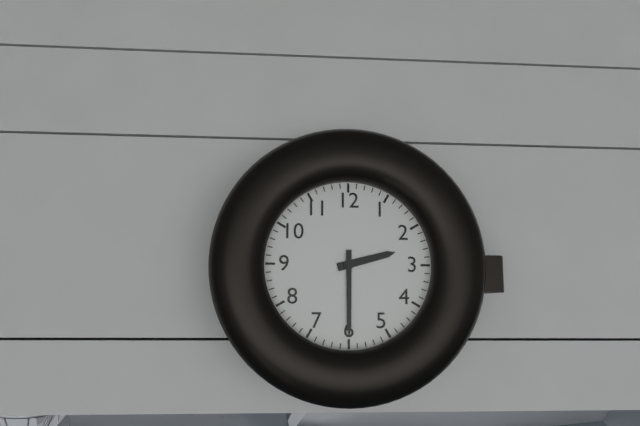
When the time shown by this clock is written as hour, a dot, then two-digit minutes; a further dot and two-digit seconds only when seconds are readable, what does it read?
2.30
